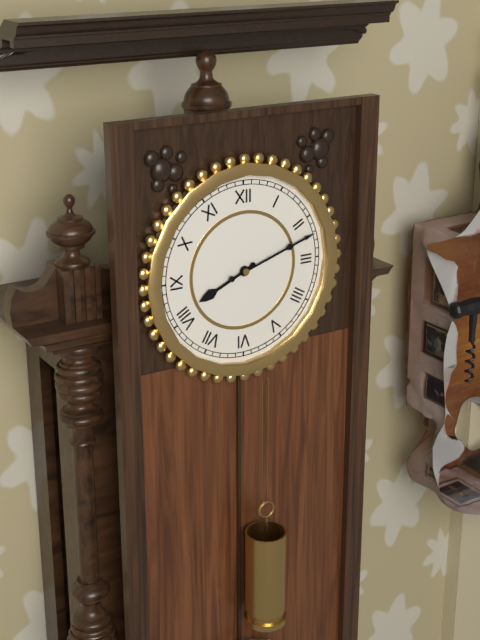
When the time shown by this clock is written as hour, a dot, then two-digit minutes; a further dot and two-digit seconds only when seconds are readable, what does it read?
8.12
